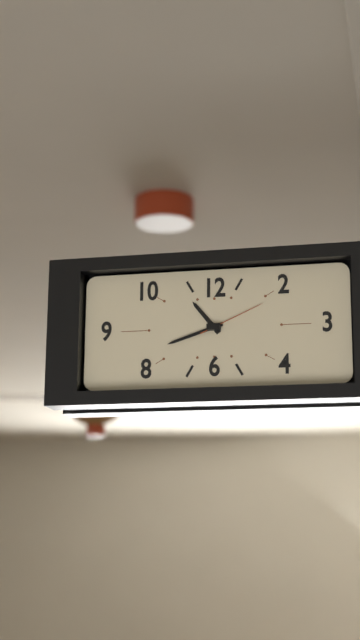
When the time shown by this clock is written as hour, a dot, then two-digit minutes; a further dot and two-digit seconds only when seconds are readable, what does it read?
10.42.11
